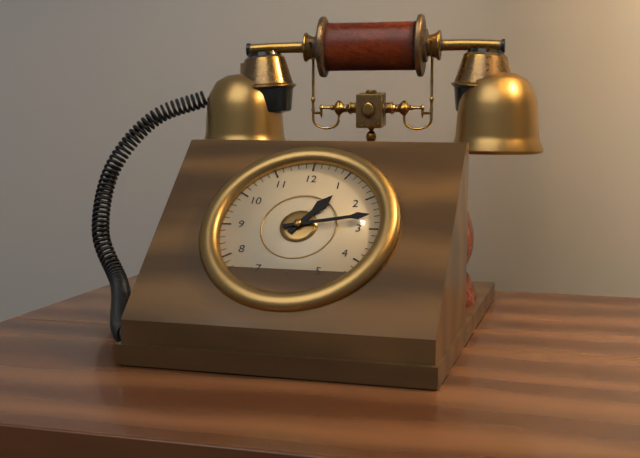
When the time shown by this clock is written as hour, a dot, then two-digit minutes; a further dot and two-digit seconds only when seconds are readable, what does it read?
1.13
